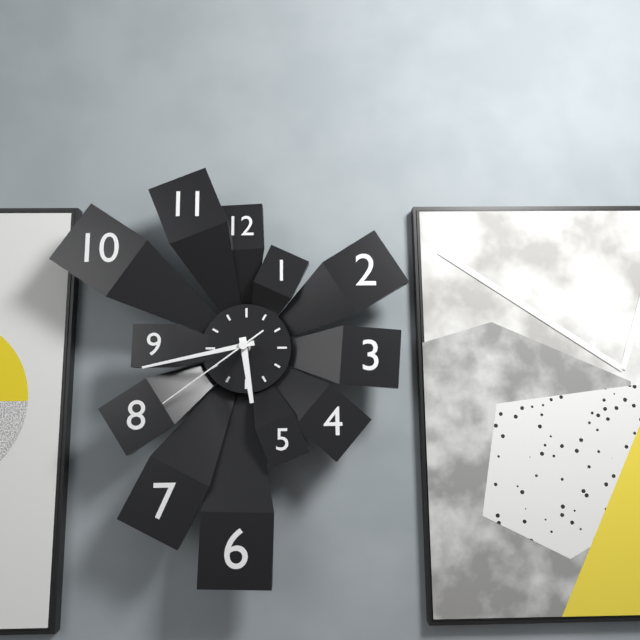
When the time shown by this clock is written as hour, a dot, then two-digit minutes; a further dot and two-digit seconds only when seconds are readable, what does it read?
5.43.39
